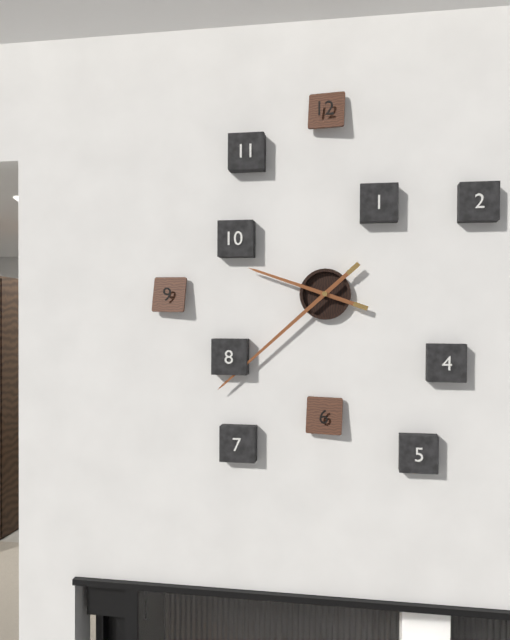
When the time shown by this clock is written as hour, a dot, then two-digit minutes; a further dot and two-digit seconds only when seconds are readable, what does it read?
9.38
